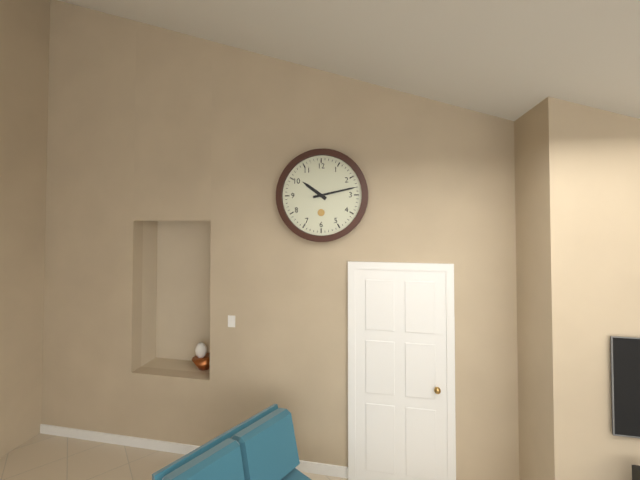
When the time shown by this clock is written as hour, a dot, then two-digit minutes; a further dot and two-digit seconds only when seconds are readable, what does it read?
10.13
